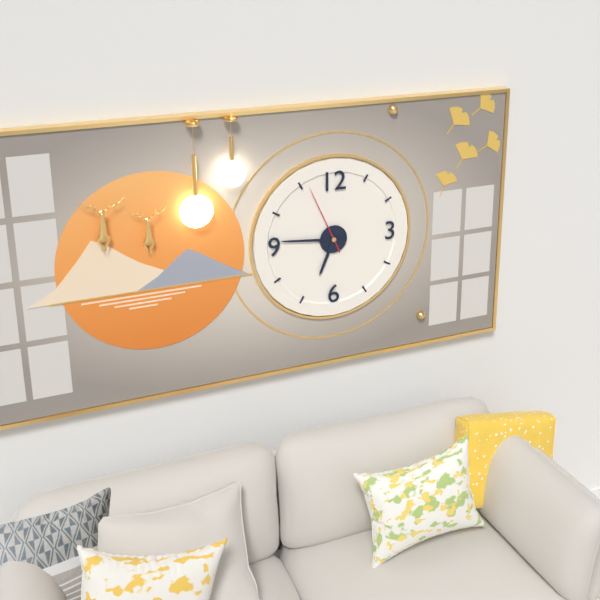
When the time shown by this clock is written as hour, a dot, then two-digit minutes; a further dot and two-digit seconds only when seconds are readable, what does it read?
6.46.56
